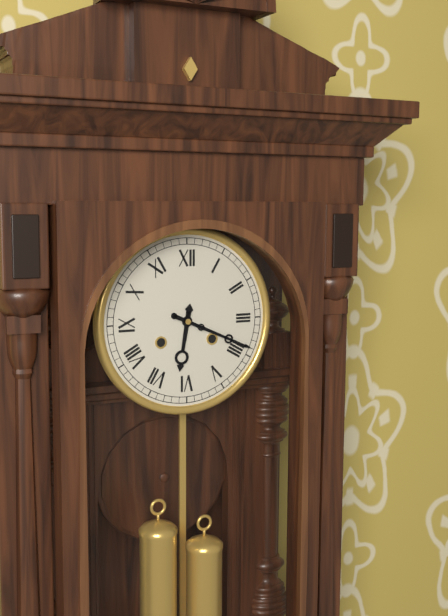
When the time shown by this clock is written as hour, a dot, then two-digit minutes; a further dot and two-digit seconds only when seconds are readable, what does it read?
6.19
